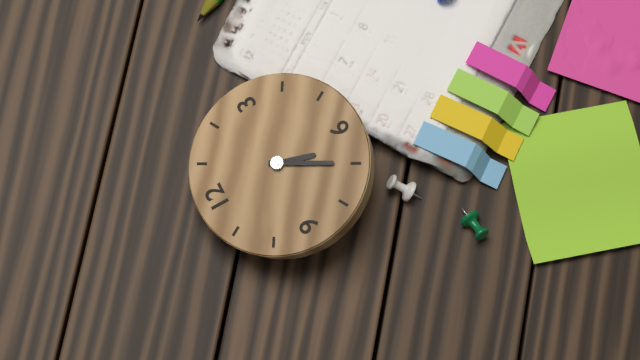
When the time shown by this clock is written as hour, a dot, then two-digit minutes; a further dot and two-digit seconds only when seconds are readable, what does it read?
6.35
